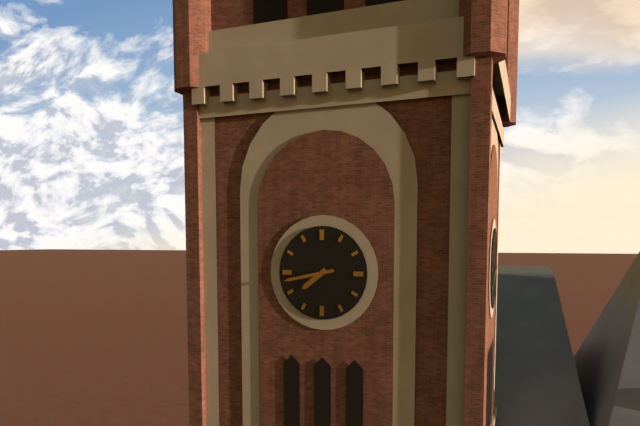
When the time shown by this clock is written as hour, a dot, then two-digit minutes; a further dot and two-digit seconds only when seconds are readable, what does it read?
7.43
